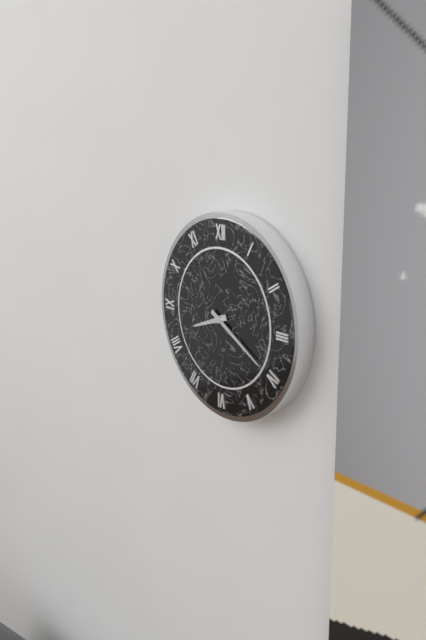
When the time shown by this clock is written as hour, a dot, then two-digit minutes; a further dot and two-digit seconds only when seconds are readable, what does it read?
8.20
